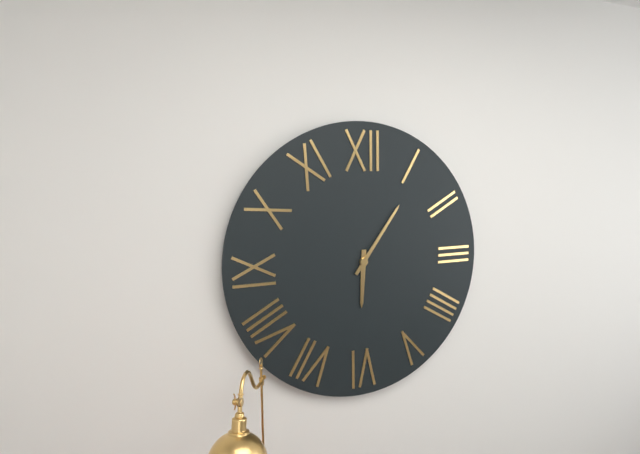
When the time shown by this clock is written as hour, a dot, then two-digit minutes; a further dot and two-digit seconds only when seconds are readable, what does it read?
6.06
